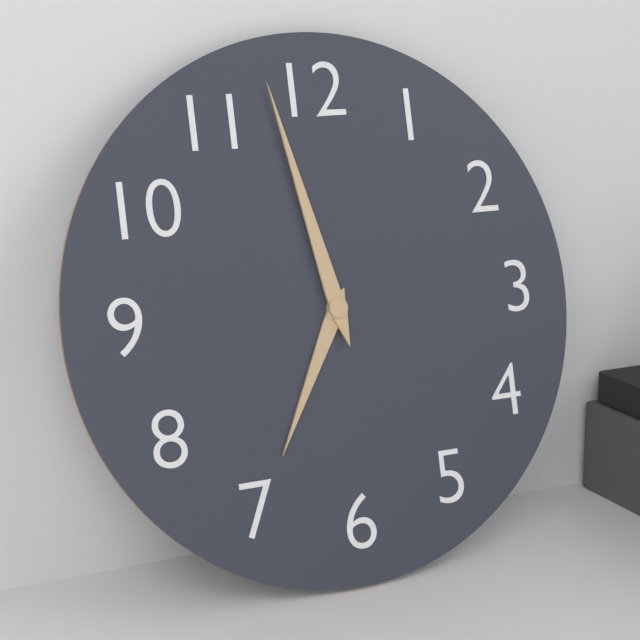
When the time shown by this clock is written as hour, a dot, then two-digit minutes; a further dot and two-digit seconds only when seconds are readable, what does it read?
6.58
